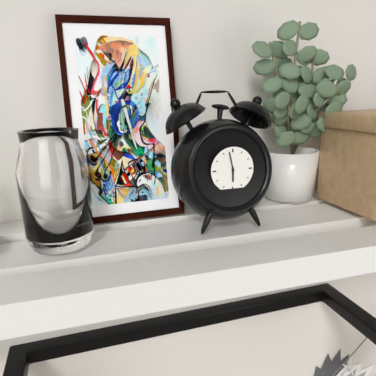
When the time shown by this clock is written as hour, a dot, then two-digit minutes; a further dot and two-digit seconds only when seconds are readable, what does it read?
5.58
